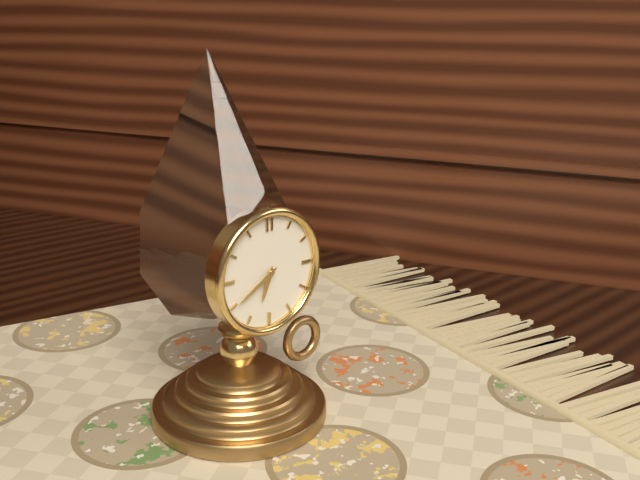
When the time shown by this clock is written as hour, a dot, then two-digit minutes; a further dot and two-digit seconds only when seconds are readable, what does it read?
6.40
